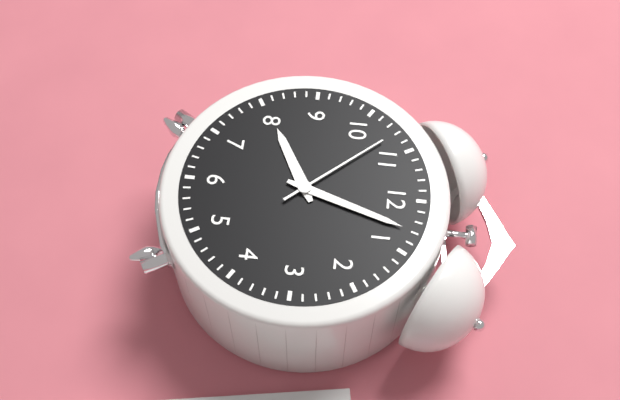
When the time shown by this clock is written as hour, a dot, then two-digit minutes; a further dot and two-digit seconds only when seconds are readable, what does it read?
8.03.53
